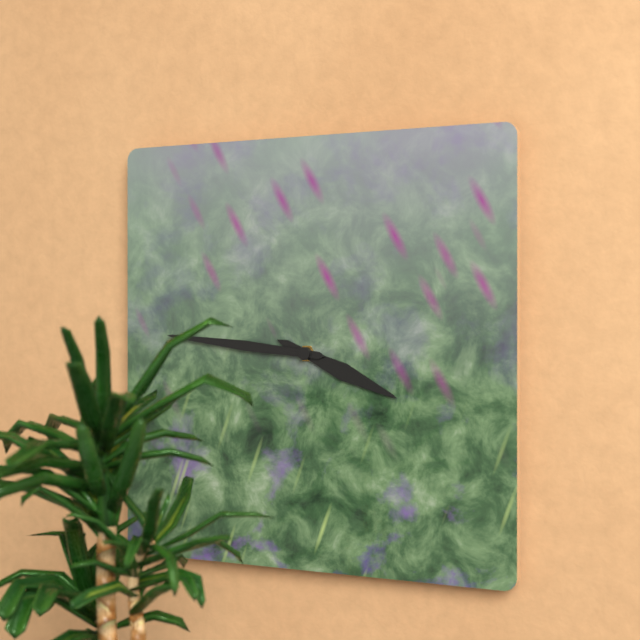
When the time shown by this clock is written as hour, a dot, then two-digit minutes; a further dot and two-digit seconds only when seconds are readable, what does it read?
3.46
